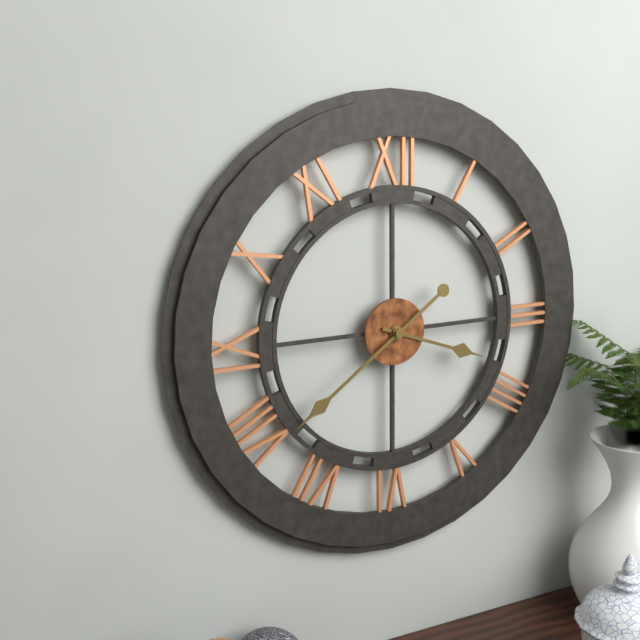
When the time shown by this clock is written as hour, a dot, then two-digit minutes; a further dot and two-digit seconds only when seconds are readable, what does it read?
3.39
